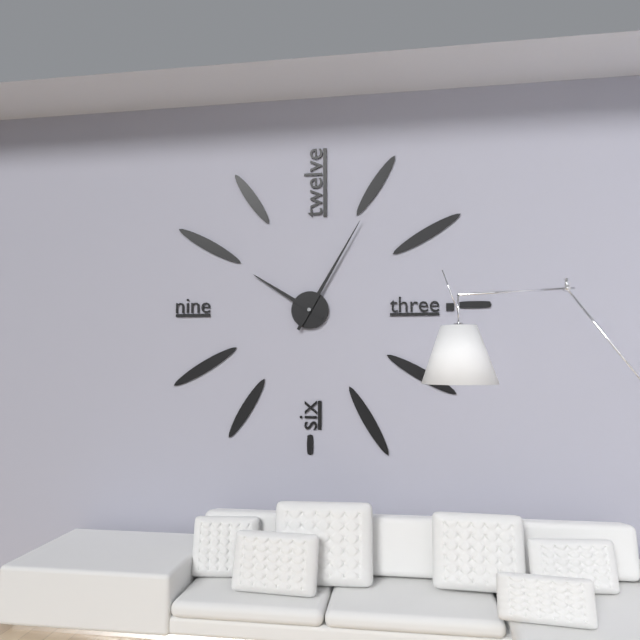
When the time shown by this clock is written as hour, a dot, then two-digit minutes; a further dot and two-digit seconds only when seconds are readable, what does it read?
10.05
